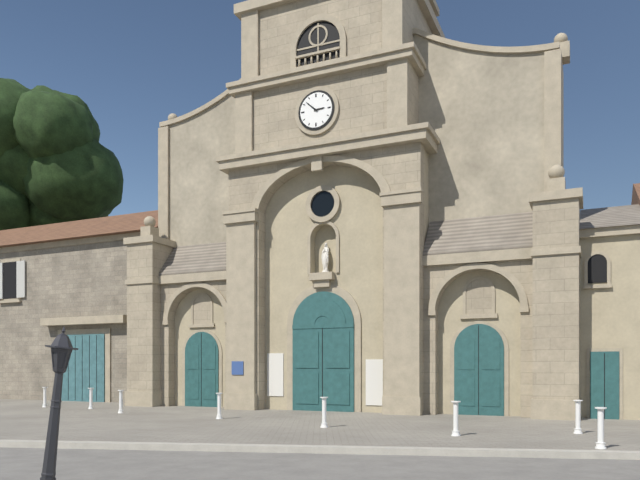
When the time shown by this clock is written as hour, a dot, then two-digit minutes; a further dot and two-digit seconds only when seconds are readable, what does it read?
2.52
